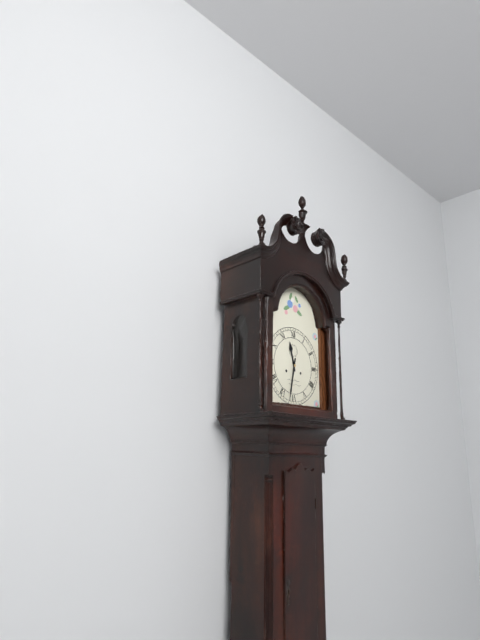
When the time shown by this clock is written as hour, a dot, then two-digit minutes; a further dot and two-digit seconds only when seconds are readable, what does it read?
11.32
